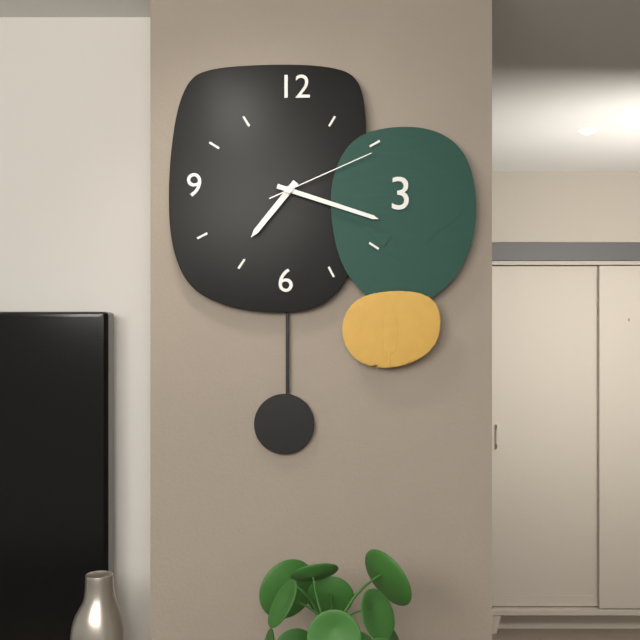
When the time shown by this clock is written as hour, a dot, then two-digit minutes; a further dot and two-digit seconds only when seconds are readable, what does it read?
7.18.11
